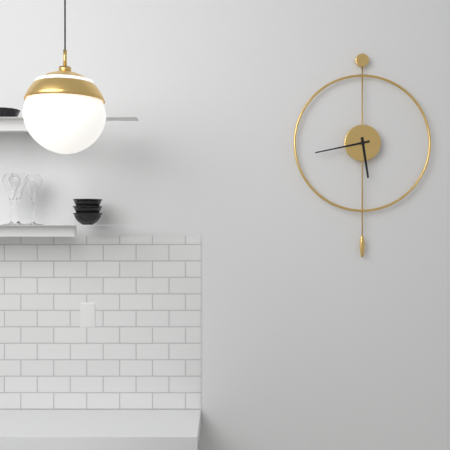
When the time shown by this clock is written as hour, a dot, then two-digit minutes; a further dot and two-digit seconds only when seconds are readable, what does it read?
5.43
